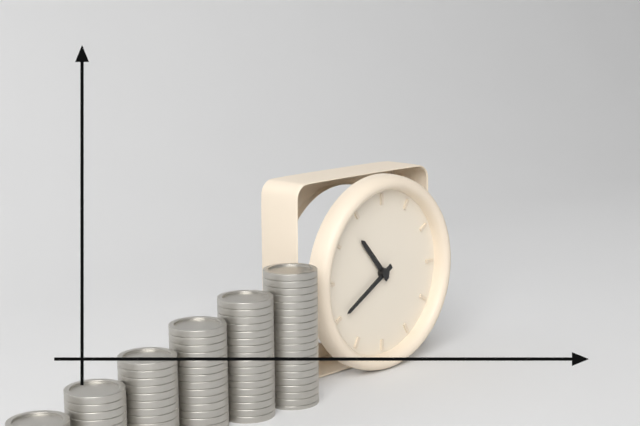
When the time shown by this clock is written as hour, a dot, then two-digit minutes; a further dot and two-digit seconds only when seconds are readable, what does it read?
10.40
